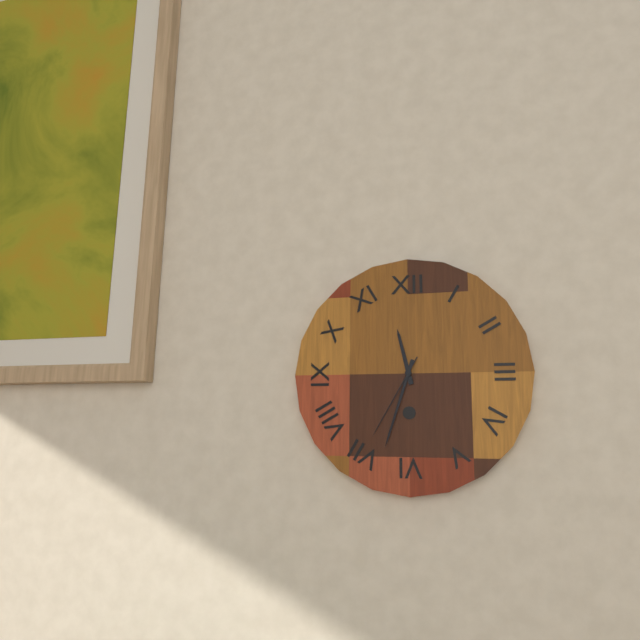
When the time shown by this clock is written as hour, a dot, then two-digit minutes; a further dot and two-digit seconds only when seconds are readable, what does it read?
11.33.35
